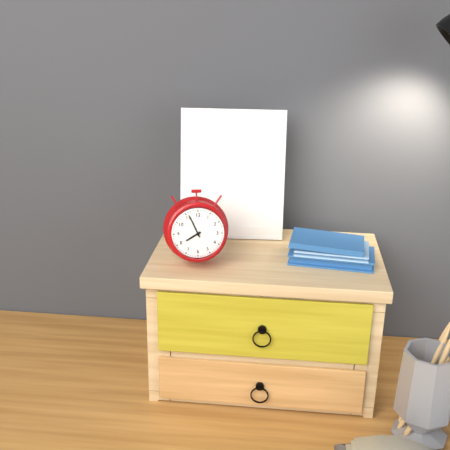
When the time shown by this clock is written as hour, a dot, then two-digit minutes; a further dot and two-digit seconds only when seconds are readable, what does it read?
7.56
